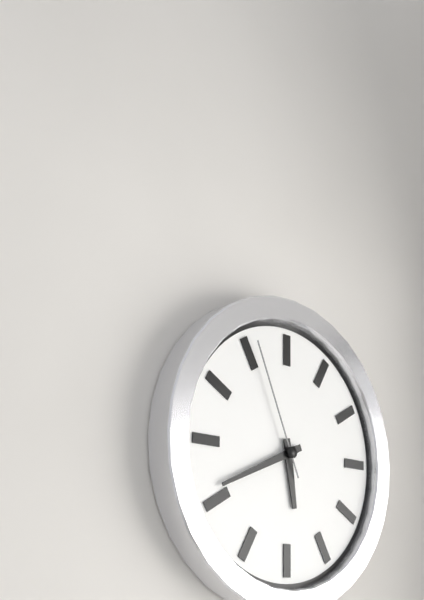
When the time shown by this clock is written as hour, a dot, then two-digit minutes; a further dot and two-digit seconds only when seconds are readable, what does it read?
5.41.56
